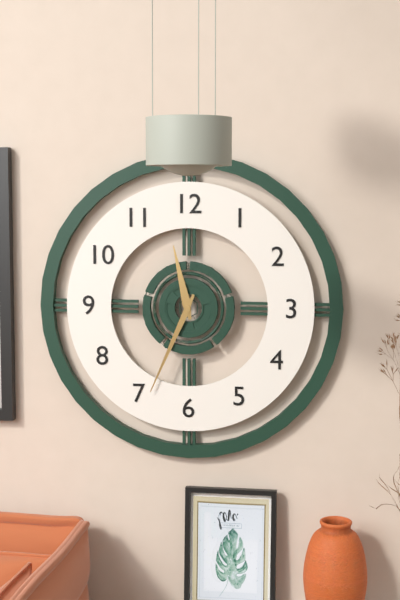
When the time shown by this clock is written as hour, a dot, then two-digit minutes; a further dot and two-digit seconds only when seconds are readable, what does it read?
11.34
